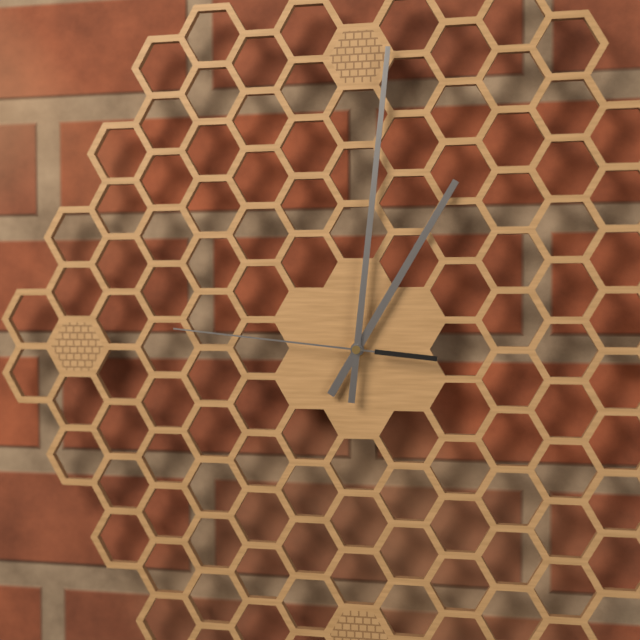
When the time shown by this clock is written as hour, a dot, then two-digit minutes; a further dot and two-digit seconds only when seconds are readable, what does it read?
1.01.46
